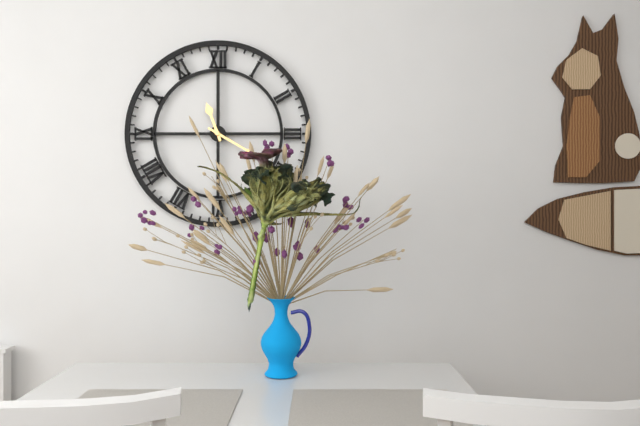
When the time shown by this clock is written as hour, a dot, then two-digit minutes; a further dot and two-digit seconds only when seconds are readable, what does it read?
11.20
